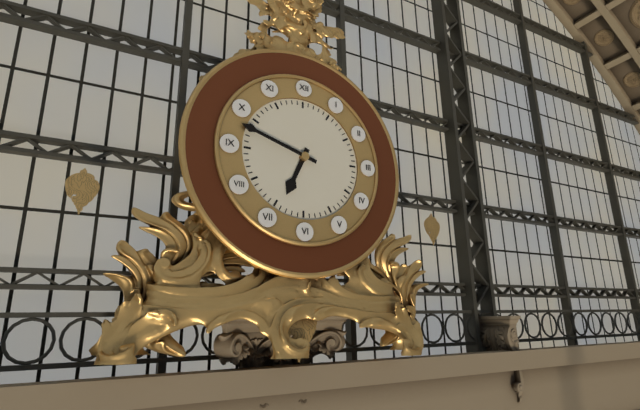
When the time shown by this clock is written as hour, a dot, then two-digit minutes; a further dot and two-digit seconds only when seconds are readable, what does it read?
6.48
